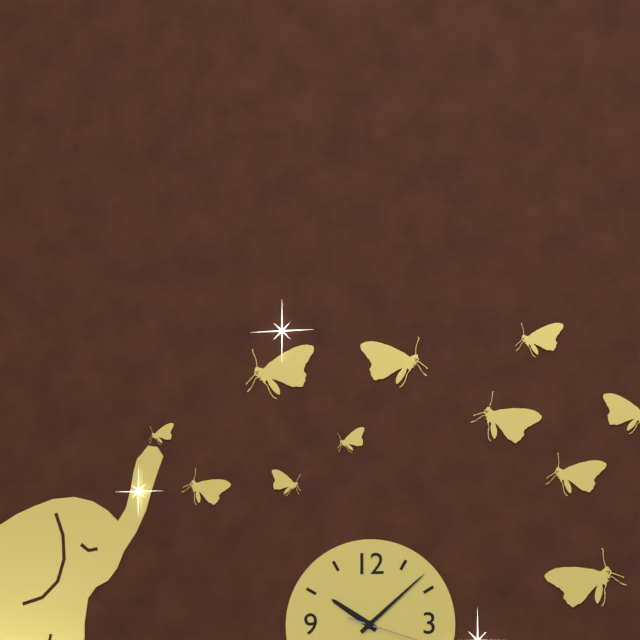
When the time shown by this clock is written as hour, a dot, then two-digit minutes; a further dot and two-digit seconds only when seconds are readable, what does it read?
10.08
